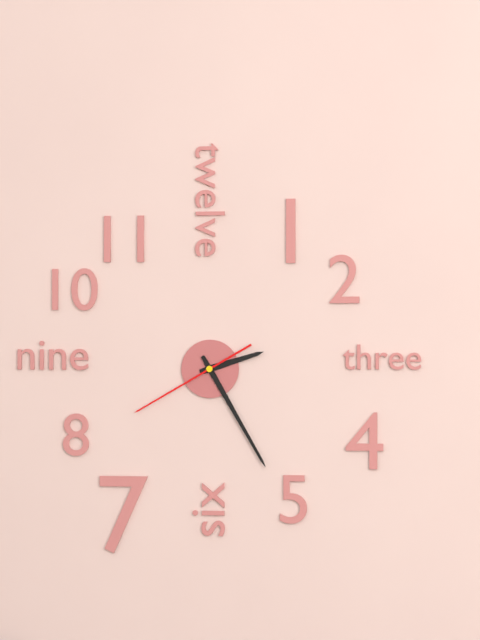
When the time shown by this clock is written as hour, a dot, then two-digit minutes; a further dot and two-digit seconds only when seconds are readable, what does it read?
2.25.40
